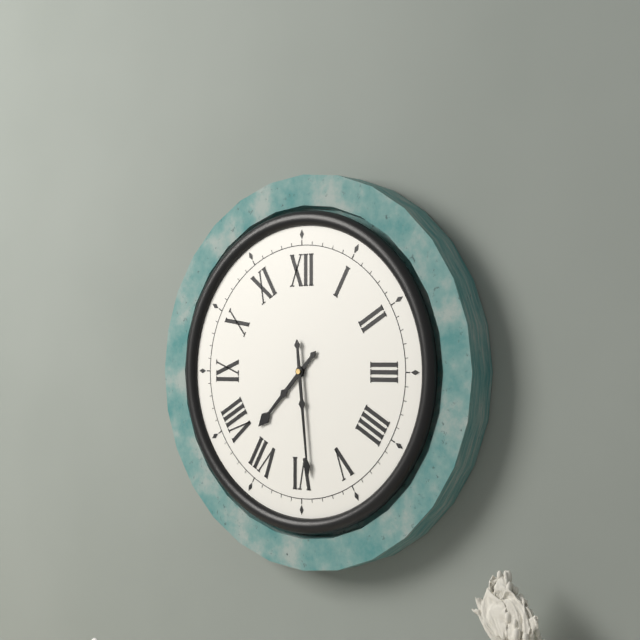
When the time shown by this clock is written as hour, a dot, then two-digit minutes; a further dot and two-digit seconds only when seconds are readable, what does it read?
7.29
